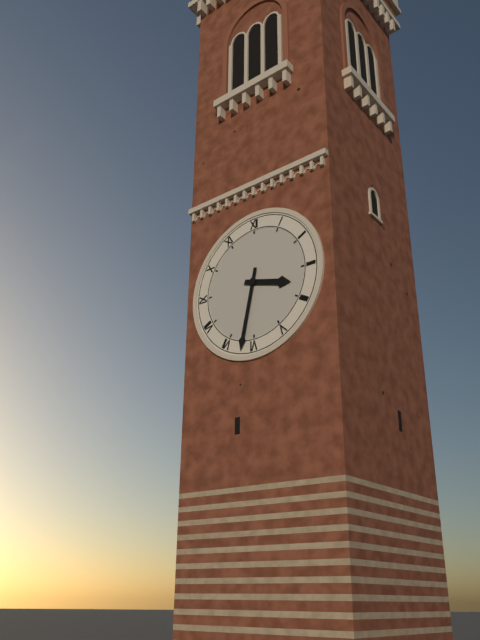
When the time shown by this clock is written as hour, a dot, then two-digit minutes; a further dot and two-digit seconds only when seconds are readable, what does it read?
3.32
